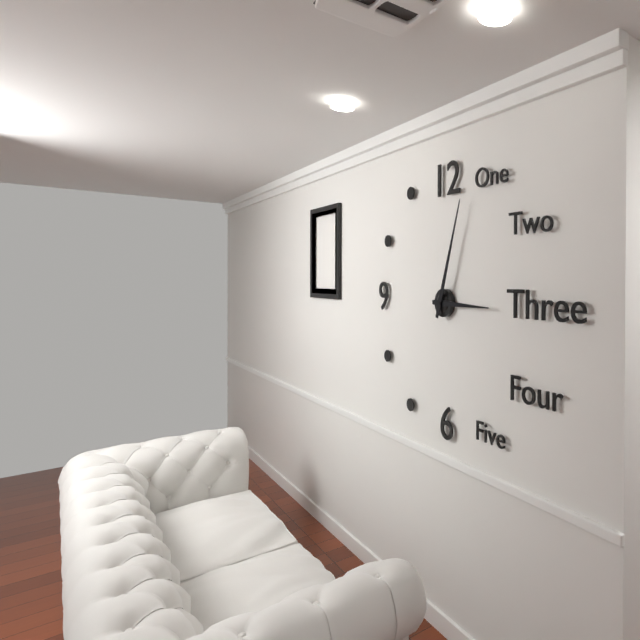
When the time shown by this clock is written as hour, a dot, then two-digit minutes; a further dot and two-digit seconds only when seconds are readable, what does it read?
3.03
